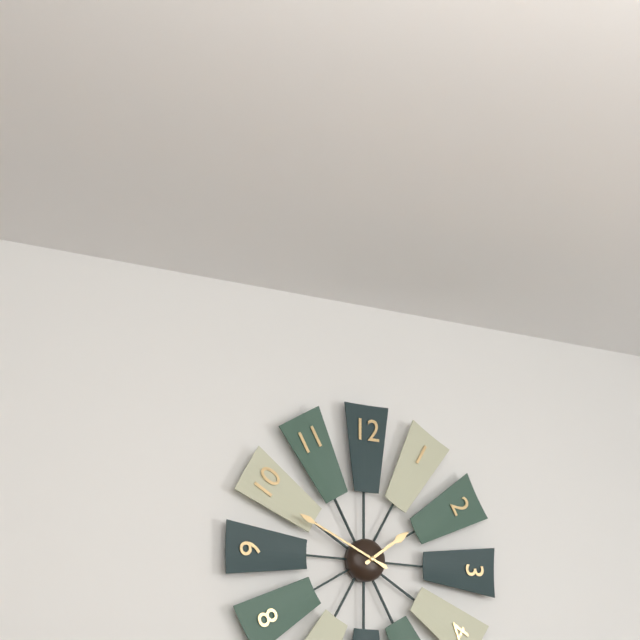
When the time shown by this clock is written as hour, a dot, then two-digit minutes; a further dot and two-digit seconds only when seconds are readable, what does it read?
1.49
